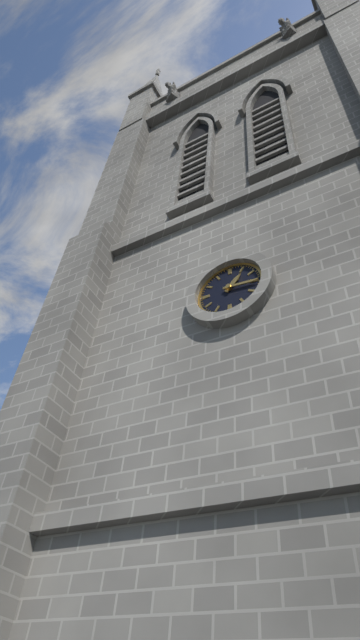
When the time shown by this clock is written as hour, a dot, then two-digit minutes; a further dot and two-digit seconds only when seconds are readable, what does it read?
1.16
